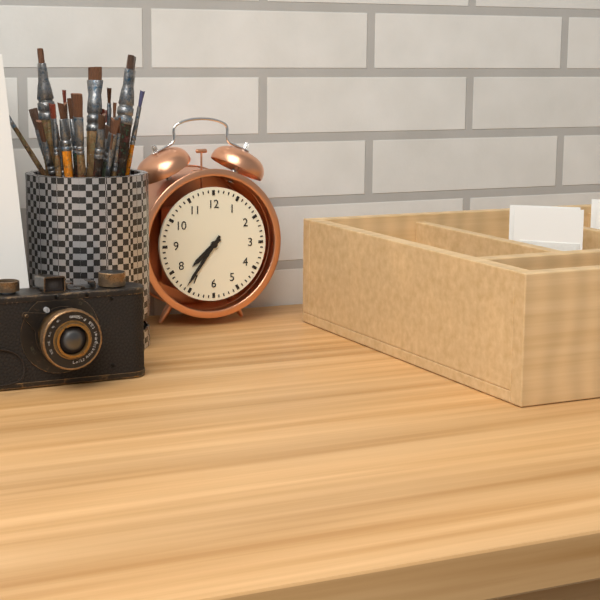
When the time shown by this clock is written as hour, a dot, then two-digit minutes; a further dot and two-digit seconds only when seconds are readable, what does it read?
7.36
